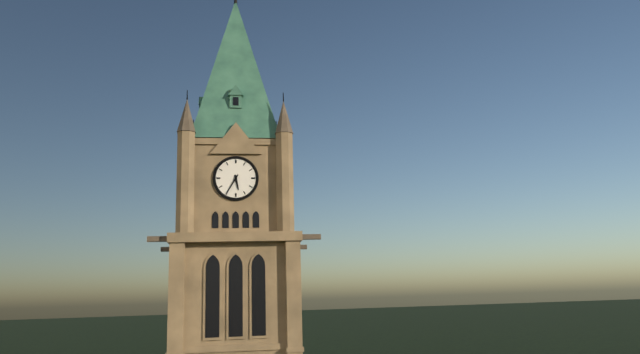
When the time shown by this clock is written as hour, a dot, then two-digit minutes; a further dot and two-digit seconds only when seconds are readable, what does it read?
5.35
